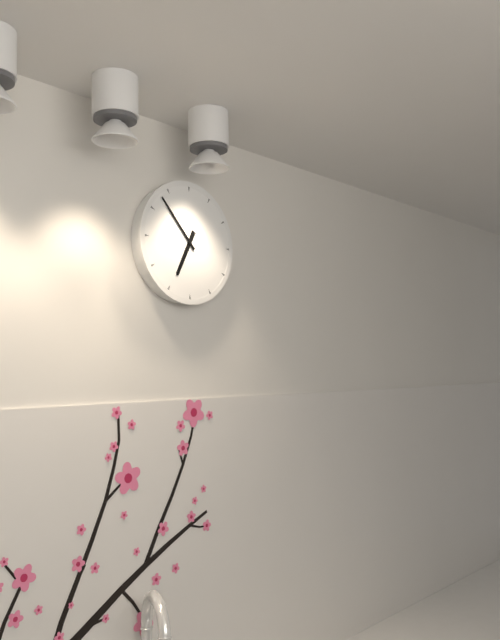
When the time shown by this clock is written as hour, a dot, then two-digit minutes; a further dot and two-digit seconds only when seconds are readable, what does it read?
6.53
